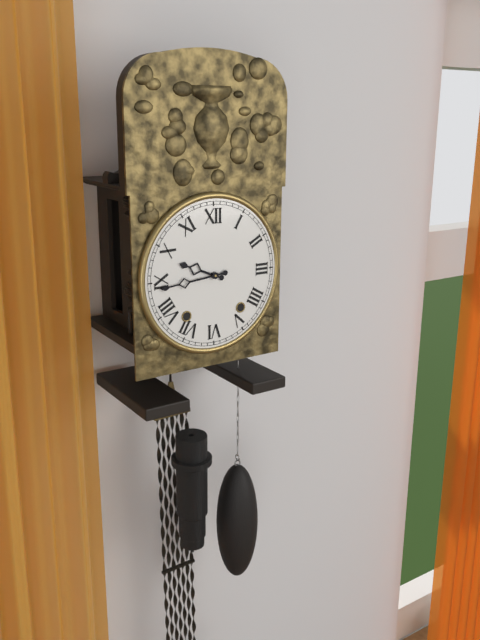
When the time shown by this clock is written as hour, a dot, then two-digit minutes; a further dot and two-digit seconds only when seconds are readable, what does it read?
9.44
